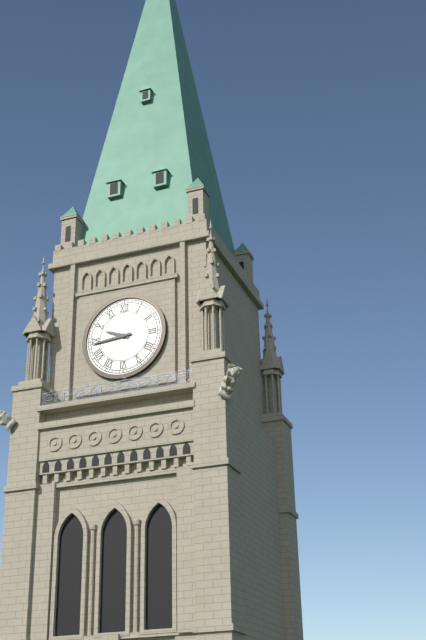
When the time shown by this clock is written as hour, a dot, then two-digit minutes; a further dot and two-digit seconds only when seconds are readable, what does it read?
9.44
